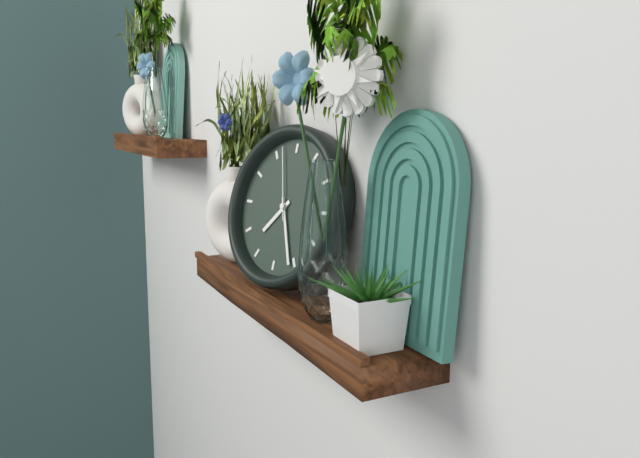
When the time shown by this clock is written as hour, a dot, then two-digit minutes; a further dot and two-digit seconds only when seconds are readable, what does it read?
7.26.57
